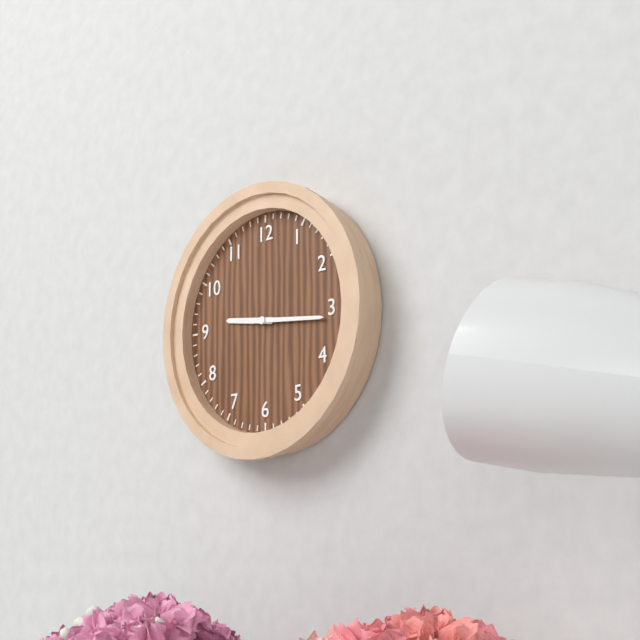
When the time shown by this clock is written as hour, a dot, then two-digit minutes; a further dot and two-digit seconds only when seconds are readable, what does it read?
9.16
